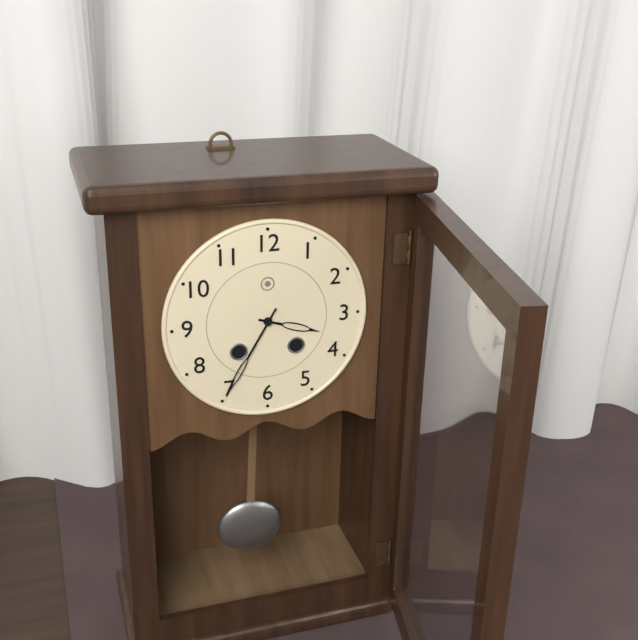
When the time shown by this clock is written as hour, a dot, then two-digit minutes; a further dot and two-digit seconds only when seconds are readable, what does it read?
3.35
